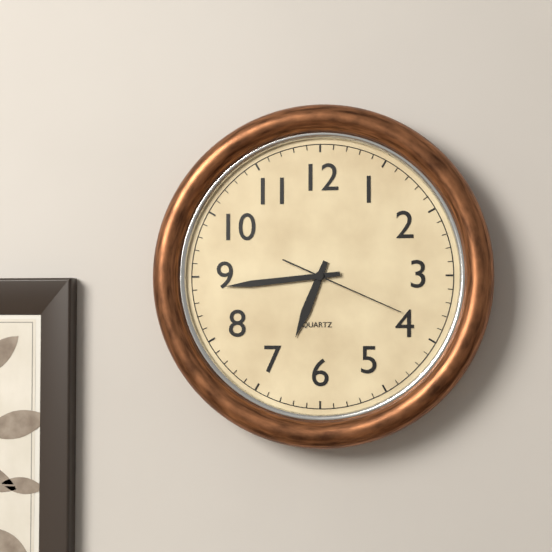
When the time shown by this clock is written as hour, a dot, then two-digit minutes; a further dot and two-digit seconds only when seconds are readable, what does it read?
6.44.19
